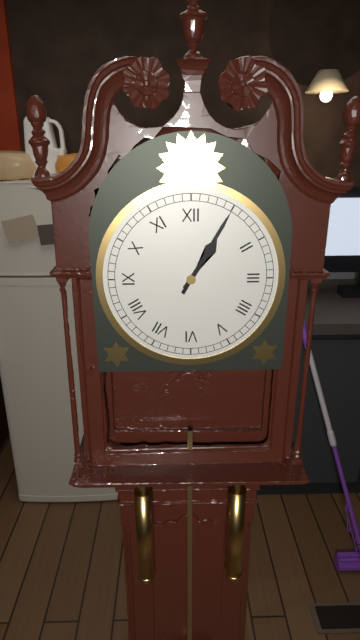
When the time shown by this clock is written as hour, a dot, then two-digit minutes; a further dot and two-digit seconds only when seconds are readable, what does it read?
1.05
